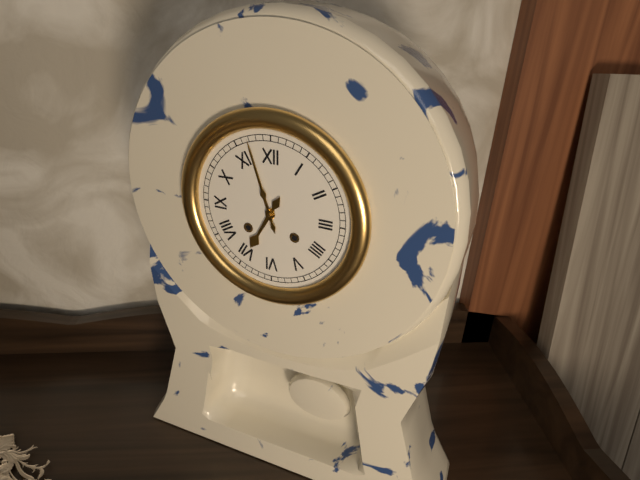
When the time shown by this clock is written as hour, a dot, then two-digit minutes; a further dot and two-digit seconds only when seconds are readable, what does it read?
6.57
